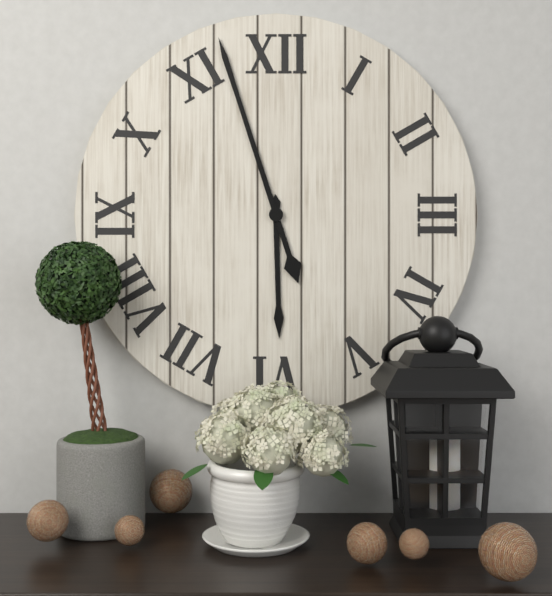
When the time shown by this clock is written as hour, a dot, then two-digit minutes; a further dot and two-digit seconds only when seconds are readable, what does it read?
5.57
